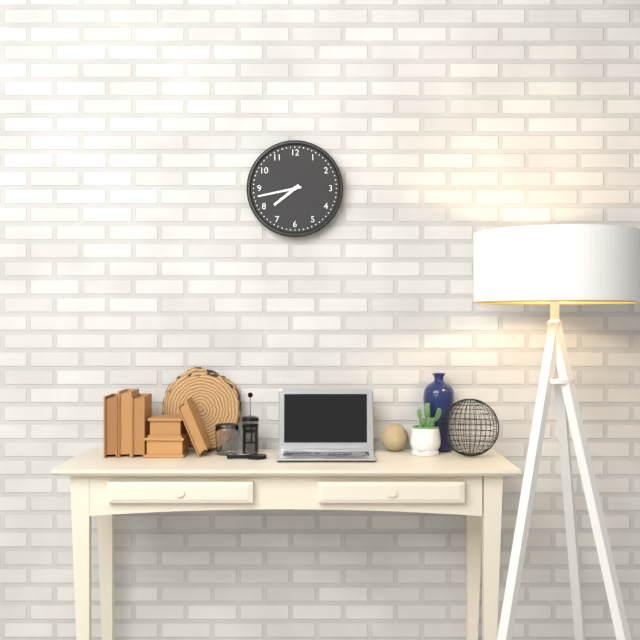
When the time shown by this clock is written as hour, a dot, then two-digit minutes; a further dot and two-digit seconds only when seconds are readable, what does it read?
7.43
